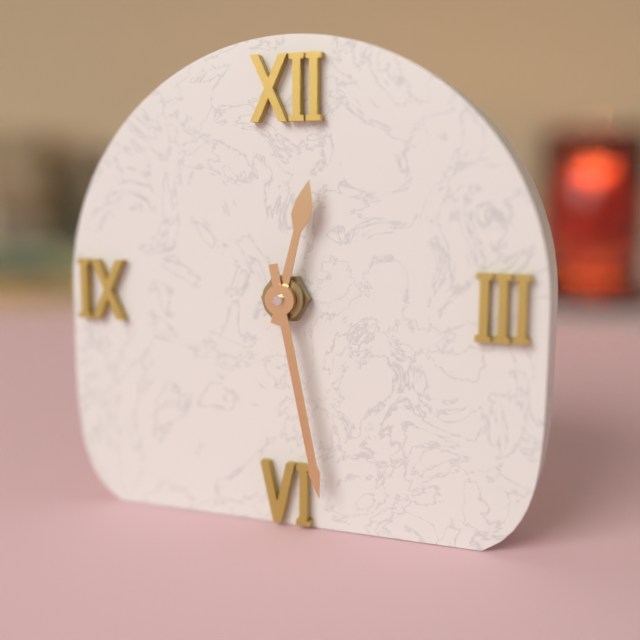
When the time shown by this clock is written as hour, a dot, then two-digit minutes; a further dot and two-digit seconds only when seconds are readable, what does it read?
12.28
